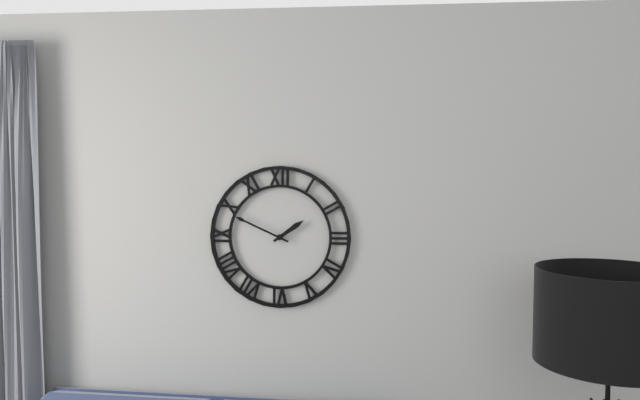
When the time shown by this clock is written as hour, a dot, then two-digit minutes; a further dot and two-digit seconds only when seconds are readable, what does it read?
1.49
